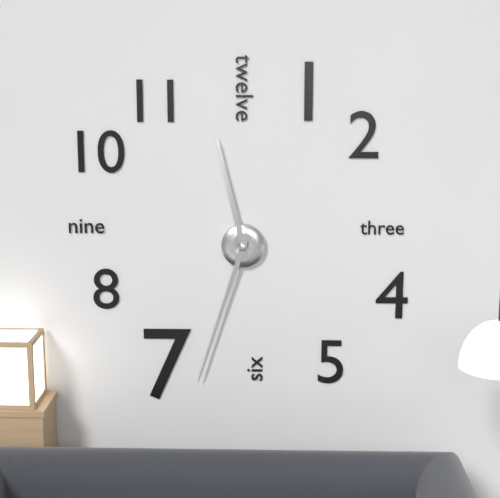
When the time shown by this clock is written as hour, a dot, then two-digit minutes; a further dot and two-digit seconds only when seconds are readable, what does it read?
11.33
